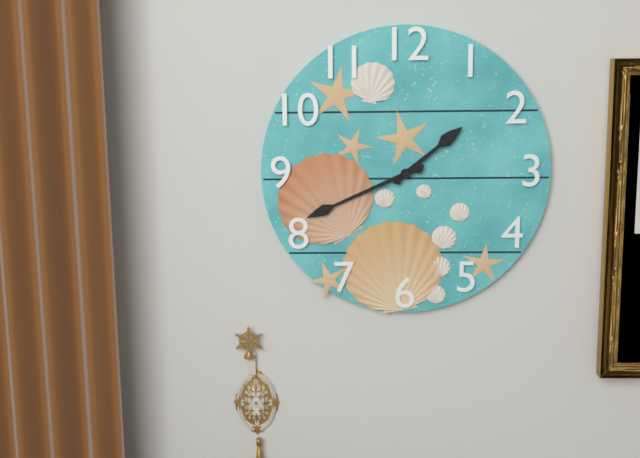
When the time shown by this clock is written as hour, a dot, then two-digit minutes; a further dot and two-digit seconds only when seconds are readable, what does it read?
1.41
